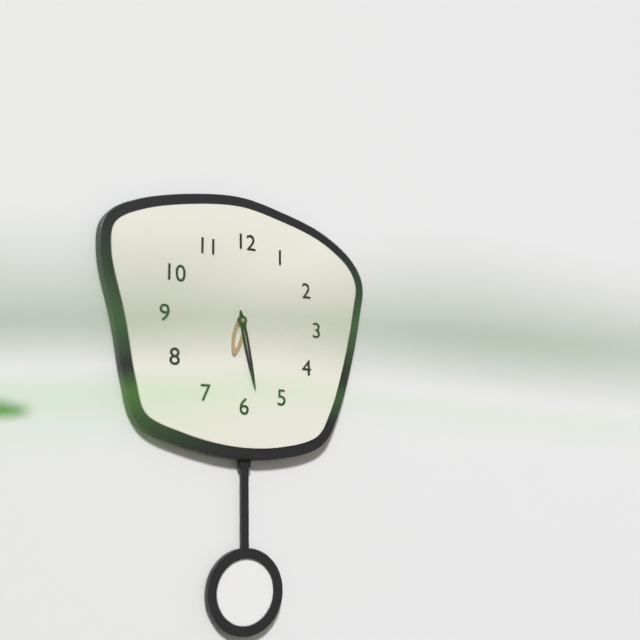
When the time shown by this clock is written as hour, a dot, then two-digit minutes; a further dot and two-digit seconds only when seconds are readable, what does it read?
6.28
